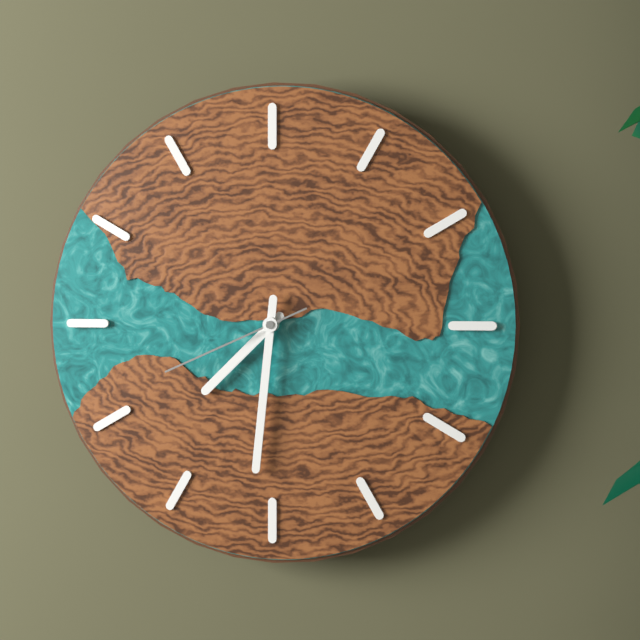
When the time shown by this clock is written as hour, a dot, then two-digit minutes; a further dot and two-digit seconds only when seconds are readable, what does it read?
7.31.41
